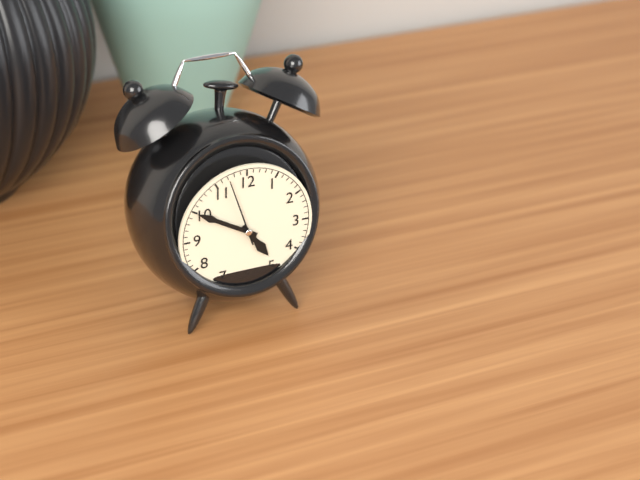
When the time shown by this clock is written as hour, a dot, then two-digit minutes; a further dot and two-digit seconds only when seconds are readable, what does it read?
4.50.57
